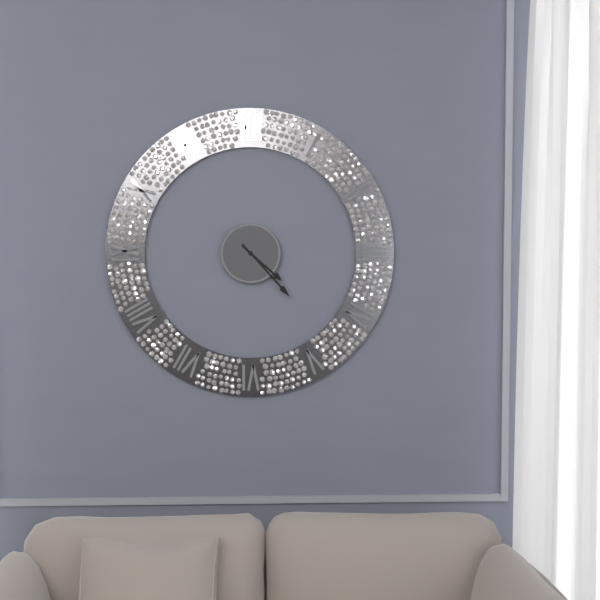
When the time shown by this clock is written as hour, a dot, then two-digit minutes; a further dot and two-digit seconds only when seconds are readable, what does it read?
4.23
